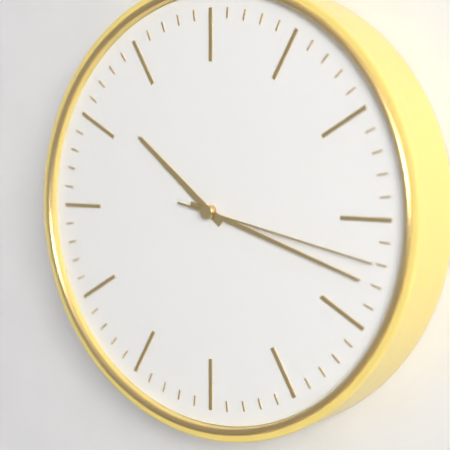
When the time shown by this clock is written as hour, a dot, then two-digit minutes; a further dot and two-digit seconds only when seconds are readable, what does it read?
10.18.17
